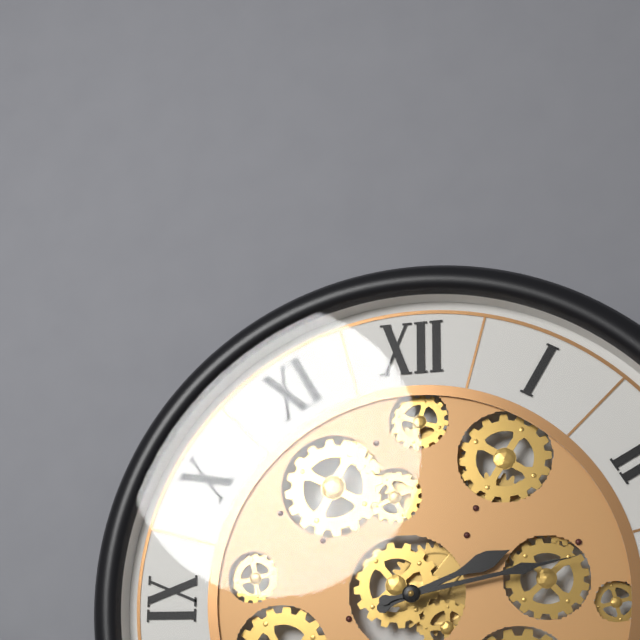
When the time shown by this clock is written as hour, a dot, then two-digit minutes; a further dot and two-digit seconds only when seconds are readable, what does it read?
2.13
